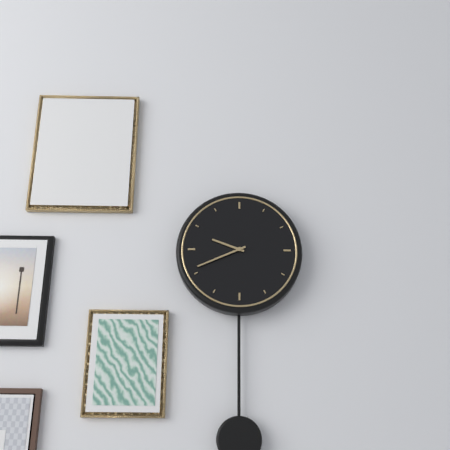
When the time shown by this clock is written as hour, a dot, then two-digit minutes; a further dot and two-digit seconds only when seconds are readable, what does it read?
9.41
